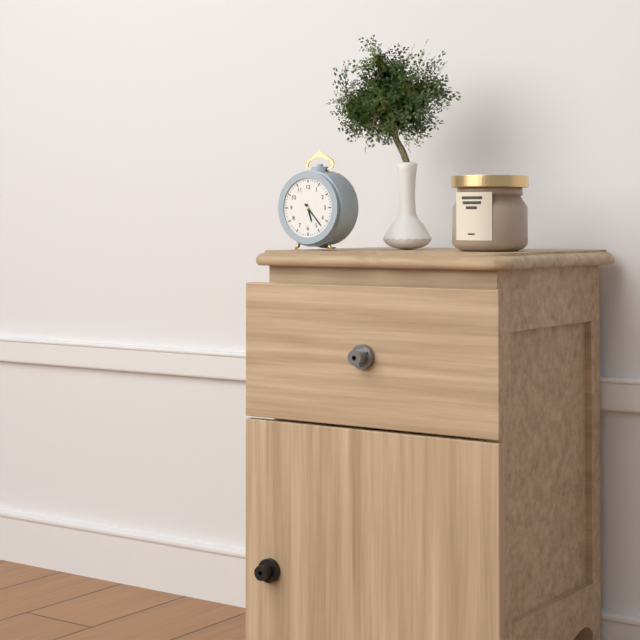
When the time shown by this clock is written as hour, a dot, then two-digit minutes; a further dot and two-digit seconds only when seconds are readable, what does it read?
5.23
